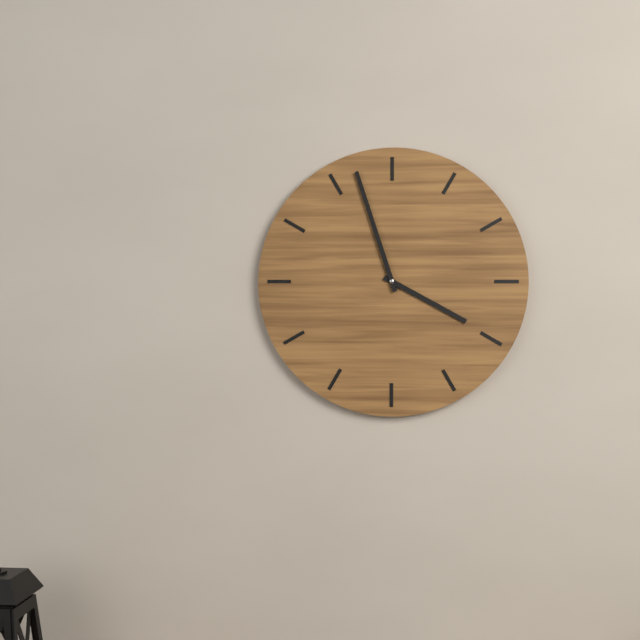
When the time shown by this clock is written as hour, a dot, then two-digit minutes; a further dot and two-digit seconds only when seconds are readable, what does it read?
3.57
